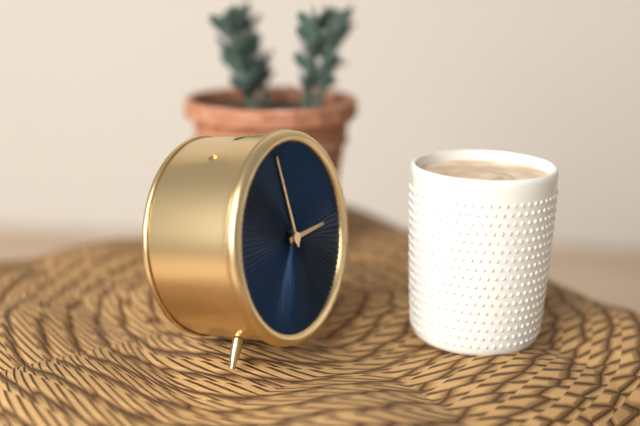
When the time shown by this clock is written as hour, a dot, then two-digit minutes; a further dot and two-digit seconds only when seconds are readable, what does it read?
2.58
